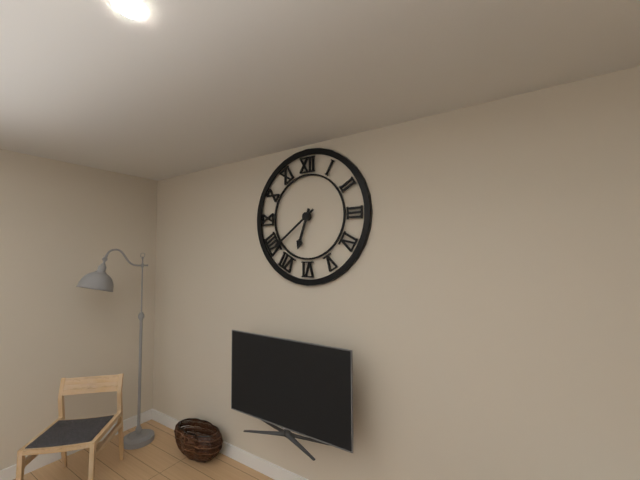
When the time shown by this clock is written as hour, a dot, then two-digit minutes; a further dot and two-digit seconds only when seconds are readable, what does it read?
6.39
